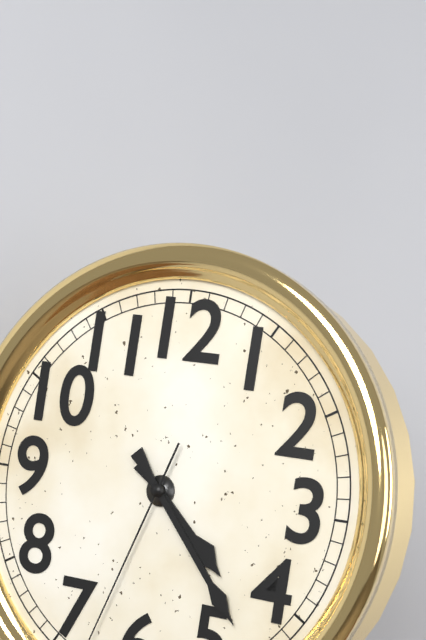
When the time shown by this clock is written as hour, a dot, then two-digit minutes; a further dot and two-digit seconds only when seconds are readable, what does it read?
4.23
